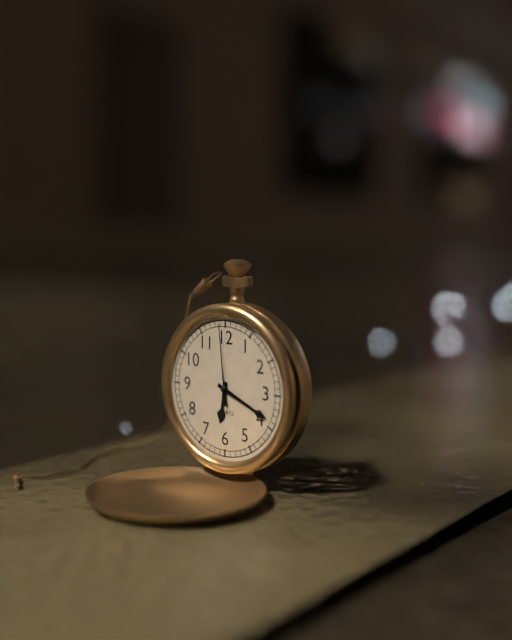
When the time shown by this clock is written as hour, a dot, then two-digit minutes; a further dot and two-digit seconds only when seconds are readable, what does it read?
6.19.59
